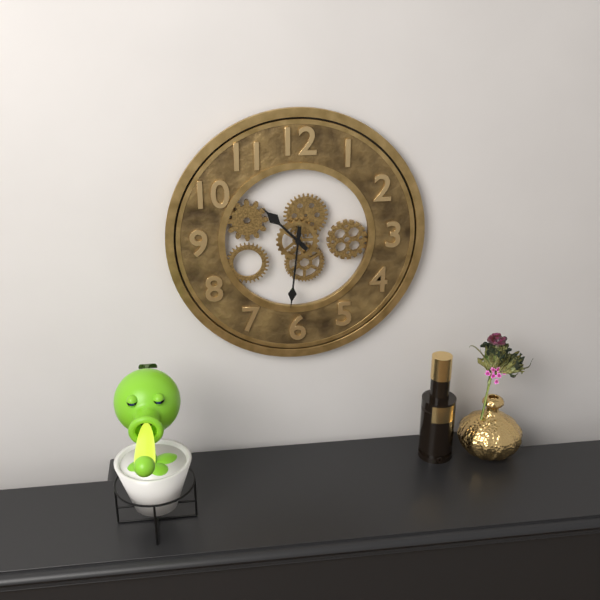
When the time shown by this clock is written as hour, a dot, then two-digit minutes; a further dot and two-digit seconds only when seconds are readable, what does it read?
10.31
